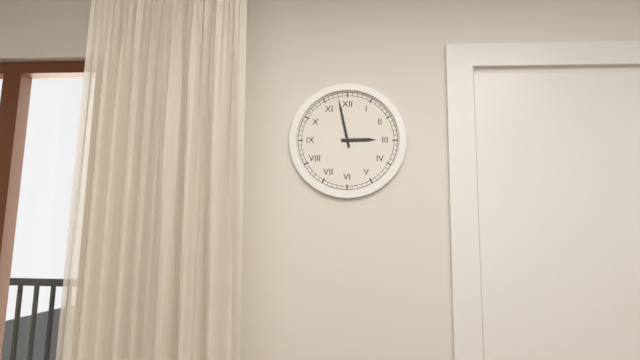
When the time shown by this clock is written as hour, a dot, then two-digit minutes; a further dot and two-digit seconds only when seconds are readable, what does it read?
2.58
